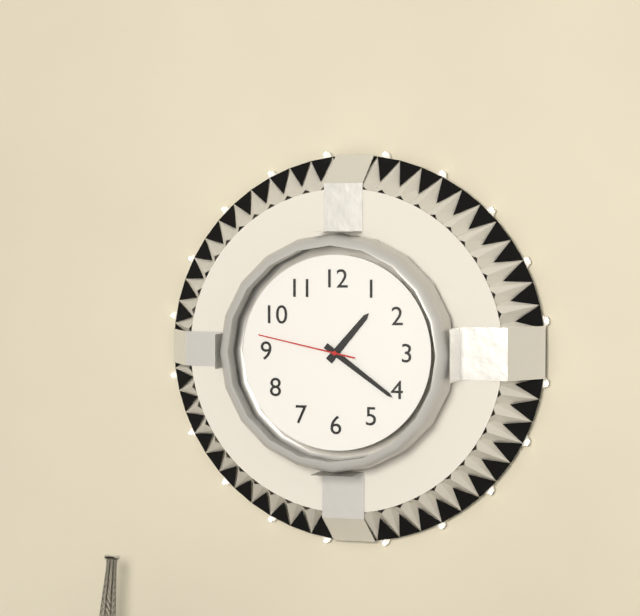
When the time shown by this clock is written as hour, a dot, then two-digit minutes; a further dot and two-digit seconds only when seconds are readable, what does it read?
1.21.47
